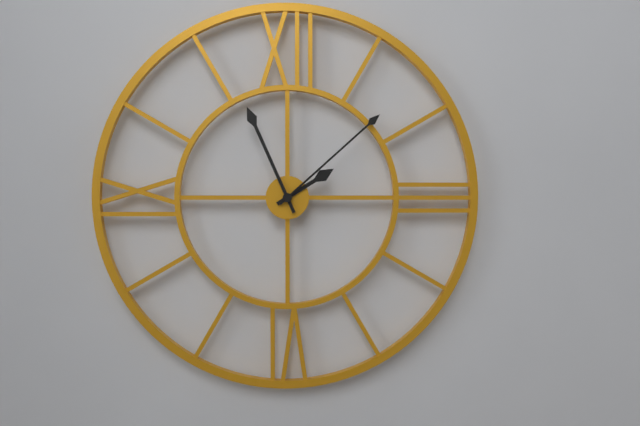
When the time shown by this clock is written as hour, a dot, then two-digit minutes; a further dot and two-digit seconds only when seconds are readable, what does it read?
1.56.08
